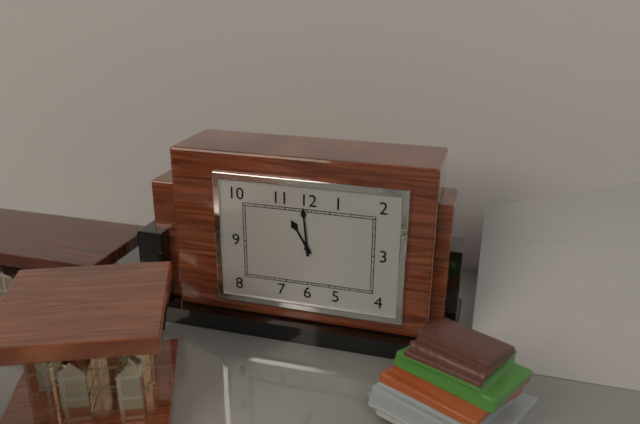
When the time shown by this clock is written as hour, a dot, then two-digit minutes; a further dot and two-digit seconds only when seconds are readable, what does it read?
10.59
